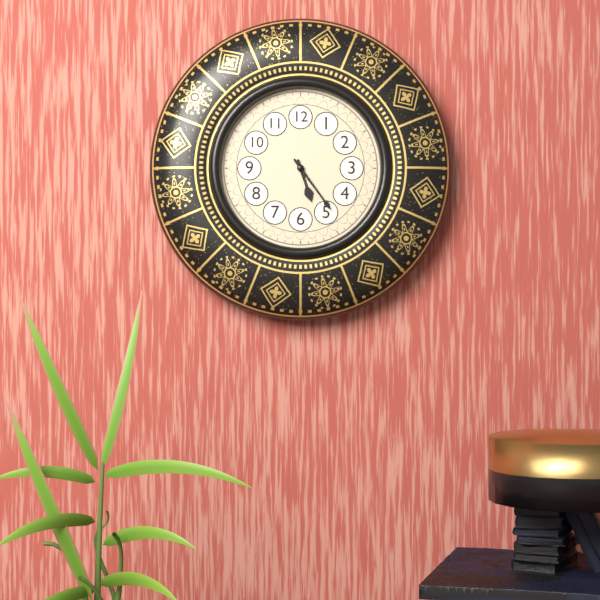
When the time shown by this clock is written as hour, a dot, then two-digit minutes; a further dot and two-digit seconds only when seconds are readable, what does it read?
5.24
